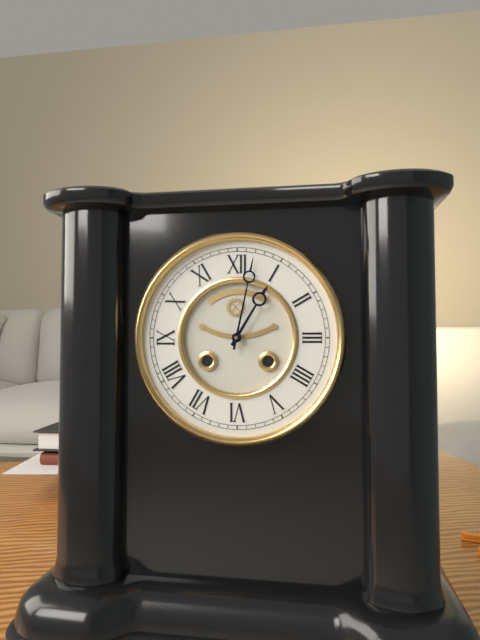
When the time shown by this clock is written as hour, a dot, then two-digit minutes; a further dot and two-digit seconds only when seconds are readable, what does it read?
1.02
